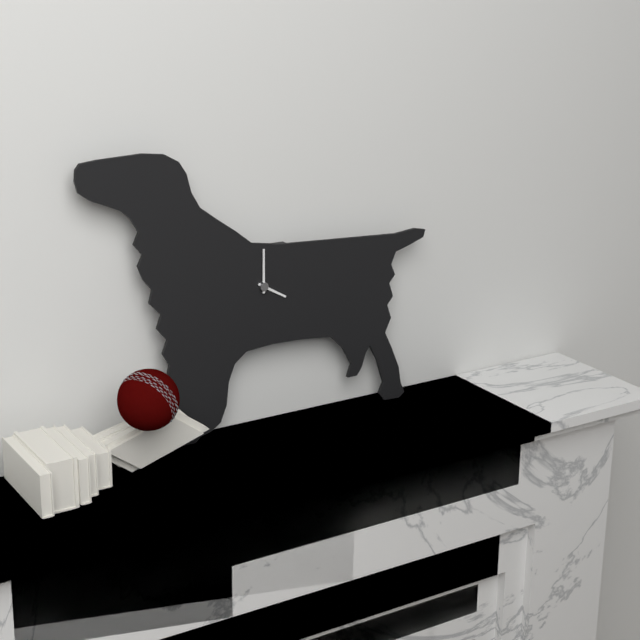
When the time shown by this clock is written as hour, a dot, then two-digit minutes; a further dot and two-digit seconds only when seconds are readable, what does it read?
4.00
